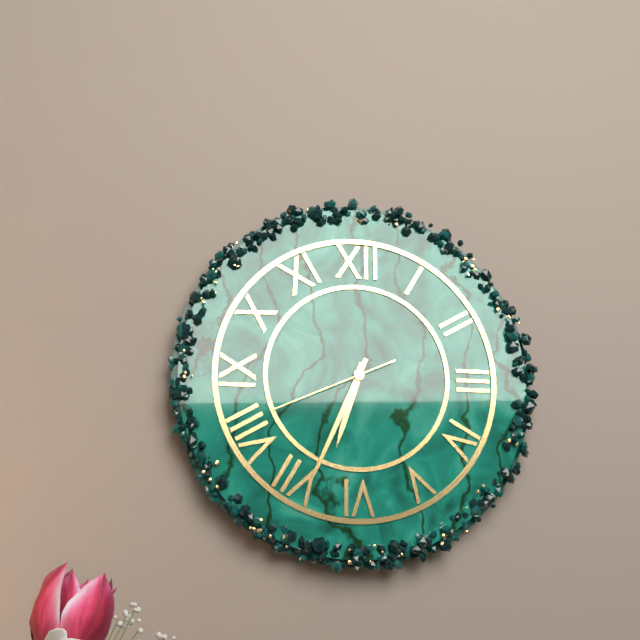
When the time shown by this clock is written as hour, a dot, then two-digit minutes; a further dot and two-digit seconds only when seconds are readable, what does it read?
6.34.41
